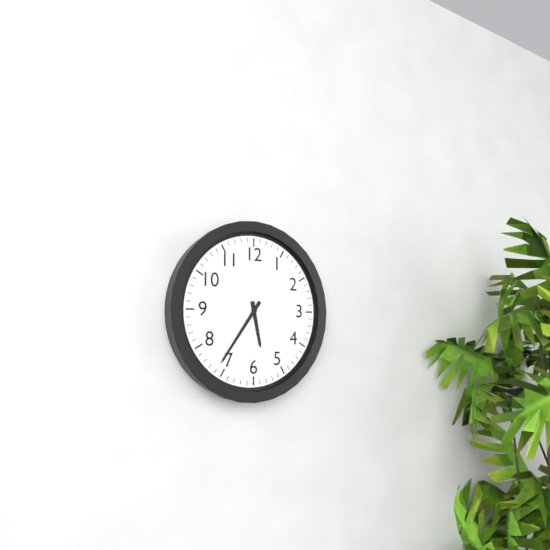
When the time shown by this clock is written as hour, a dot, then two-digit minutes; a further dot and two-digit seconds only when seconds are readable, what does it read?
5.36
